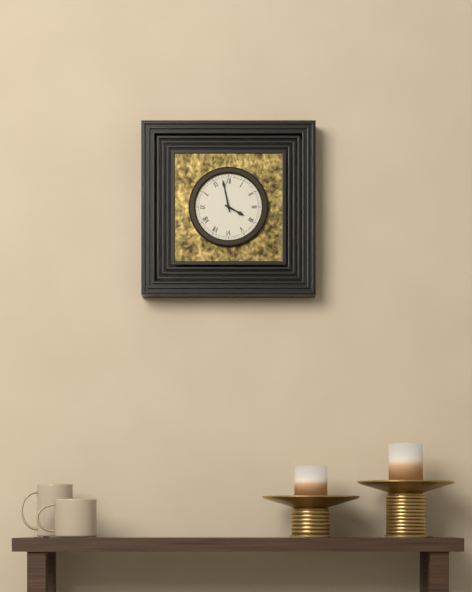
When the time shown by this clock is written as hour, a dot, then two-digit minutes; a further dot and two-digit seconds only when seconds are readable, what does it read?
3.58
